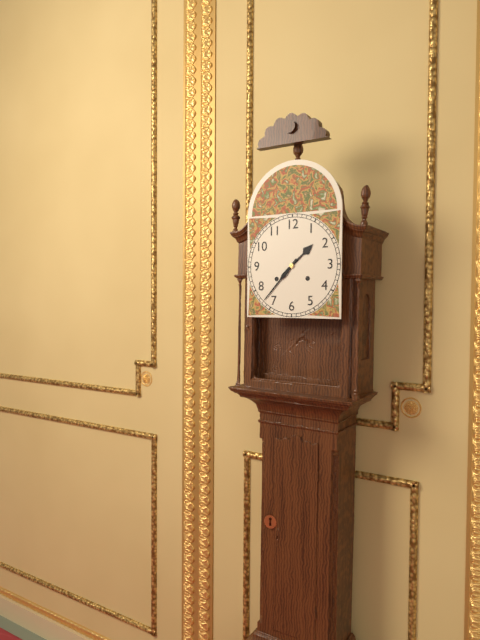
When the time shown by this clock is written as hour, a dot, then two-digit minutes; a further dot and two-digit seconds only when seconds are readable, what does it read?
1.37
